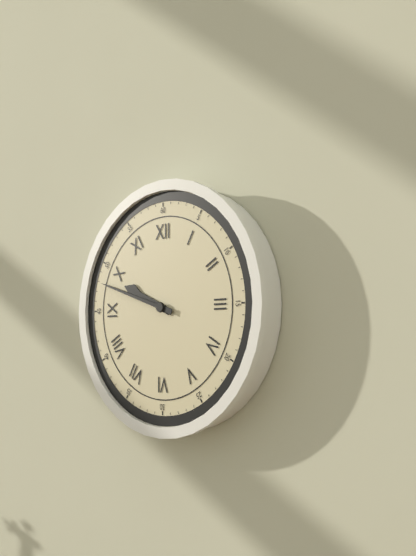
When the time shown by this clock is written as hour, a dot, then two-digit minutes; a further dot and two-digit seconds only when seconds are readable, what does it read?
9.48
